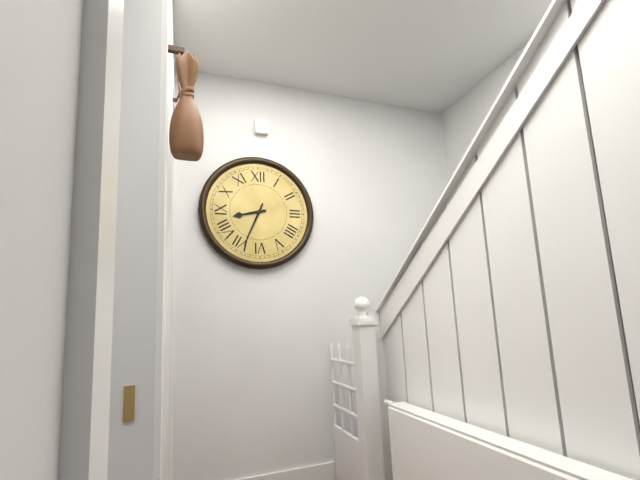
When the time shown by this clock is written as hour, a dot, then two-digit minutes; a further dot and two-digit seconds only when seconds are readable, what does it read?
8.34
